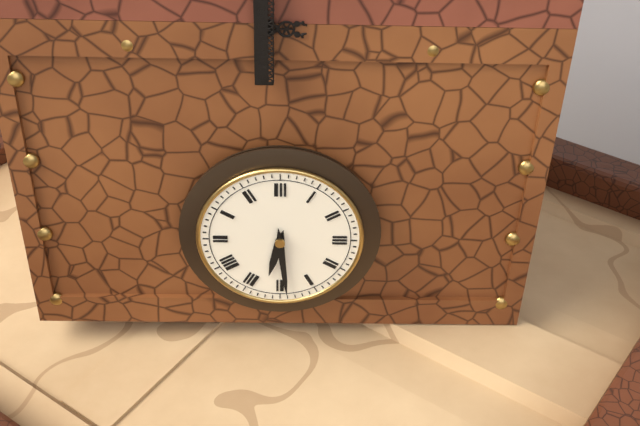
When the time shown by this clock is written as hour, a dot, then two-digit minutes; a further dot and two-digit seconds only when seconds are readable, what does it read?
6.29
